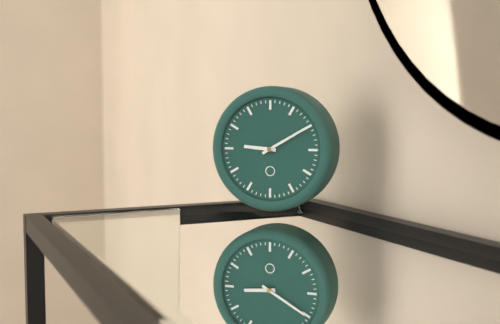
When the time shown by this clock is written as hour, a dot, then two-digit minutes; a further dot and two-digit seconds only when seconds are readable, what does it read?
9.10
